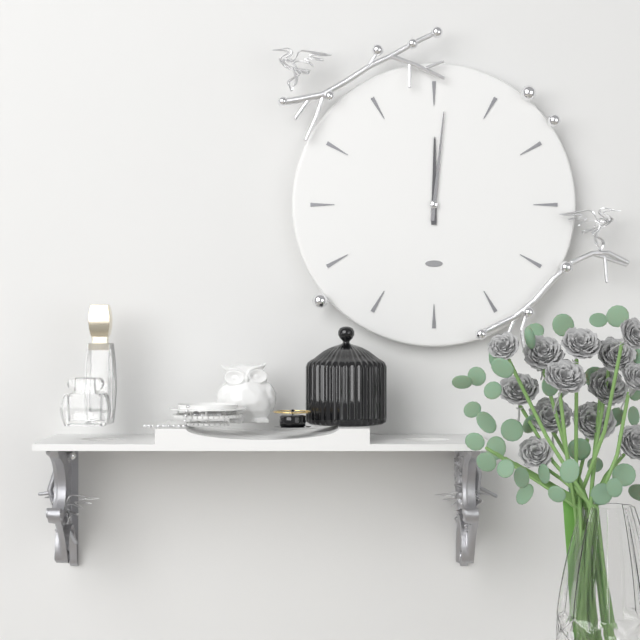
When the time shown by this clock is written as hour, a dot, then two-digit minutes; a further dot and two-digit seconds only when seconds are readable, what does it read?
12.01
